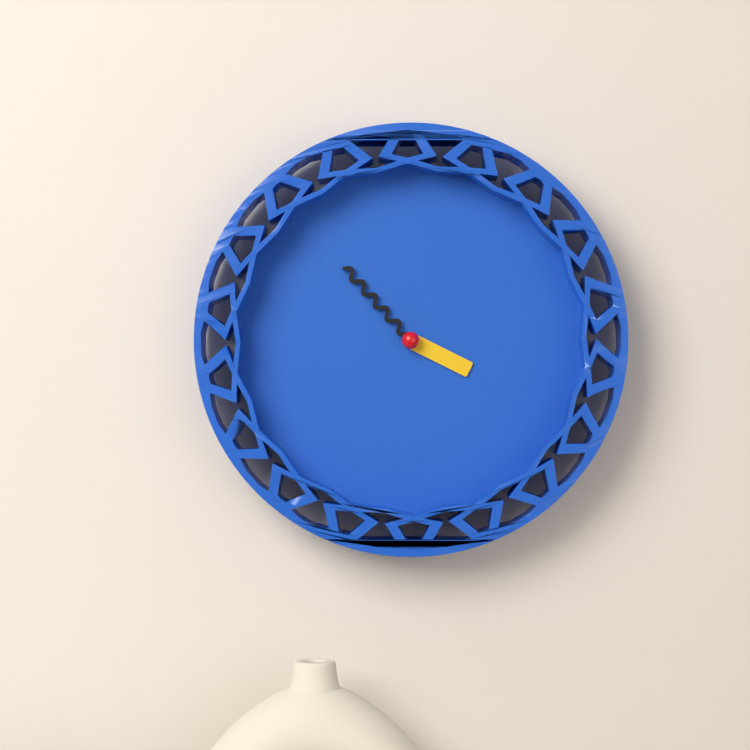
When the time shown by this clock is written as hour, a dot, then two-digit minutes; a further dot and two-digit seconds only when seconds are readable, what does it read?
3.53
